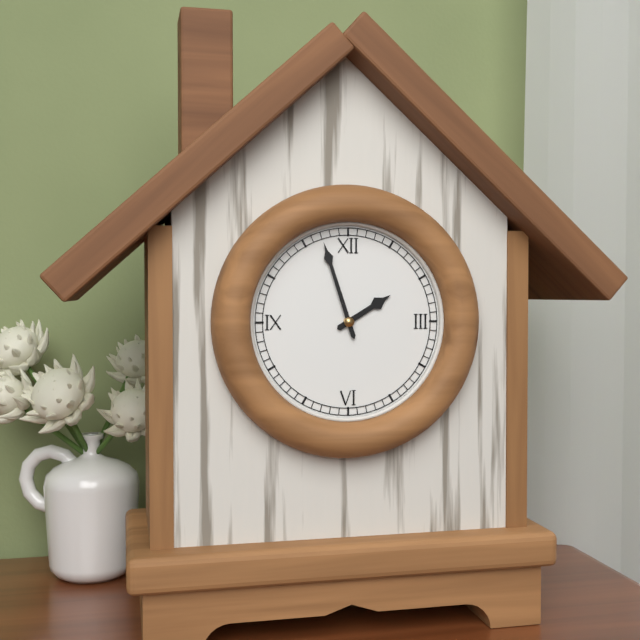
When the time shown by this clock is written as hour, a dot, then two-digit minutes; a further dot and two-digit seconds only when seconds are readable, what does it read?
1.57
